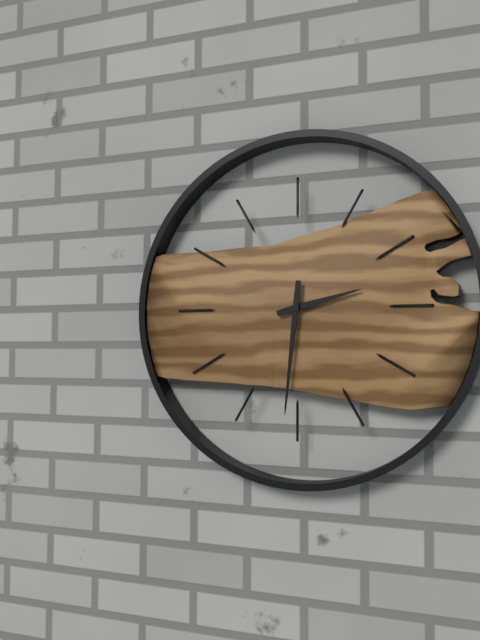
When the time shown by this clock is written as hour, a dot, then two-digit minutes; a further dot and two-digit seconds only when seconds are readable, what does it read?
2.31
